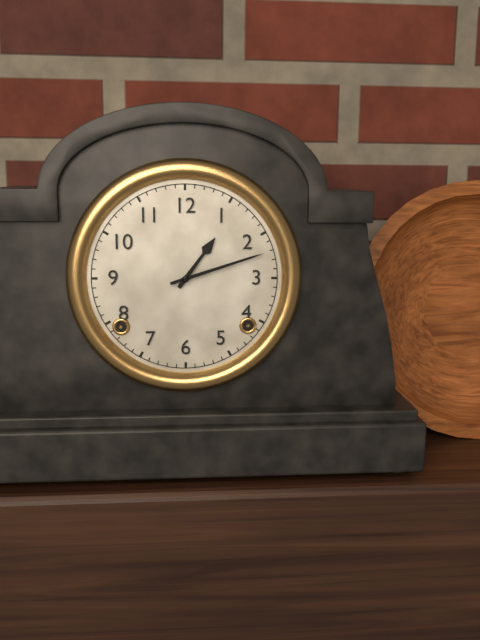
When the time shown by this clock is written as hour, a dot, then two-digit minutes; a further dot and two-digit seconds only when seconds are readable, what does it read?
1.12
